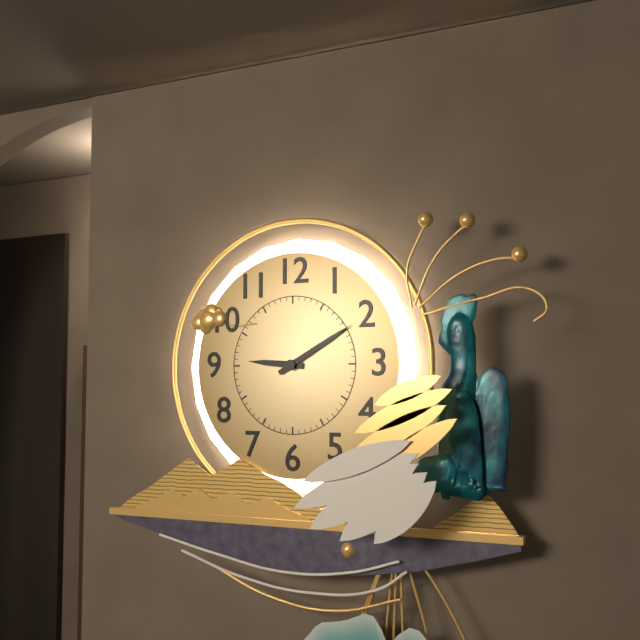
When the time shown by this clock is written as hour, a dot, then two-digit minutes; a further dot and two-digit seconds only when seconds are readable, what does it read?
9.10
